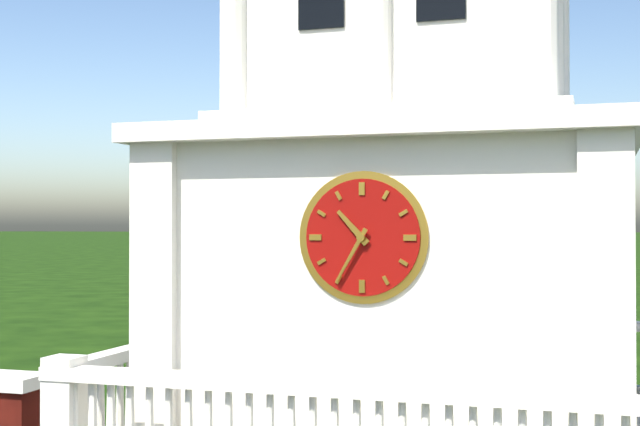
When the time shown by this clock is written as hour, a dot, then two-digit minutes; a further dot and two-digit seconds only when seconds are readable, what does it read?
10.35
